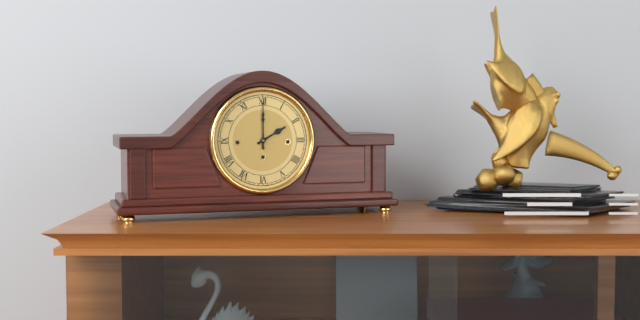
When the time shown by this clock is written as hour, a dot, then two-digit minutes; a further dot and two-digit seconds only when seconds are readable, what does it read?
2.00
